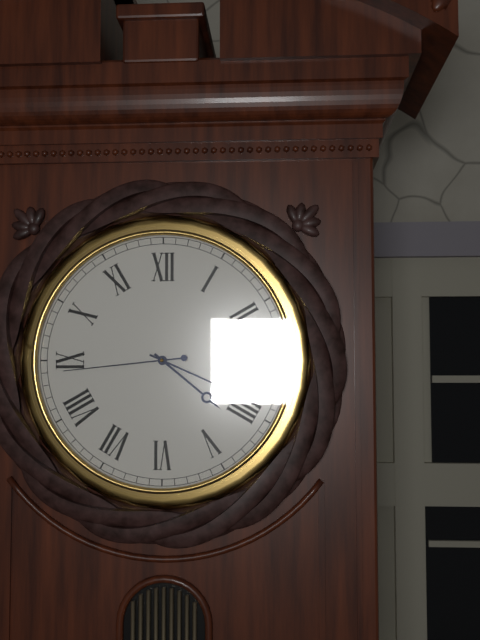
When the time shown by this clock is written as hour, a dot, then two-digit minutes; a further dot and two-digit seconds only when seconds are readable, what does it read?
4.19.44
